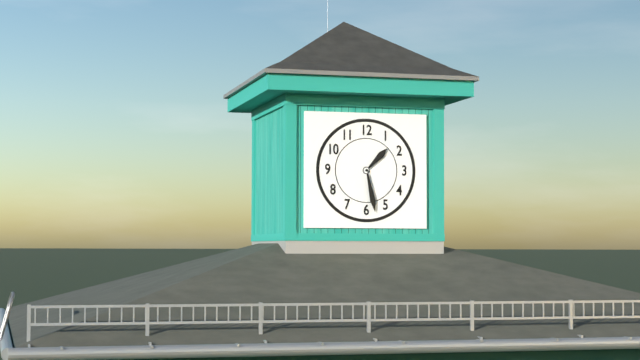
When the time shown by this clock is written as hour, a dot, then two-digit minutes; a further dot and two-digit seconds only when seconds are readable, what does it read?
1.28
